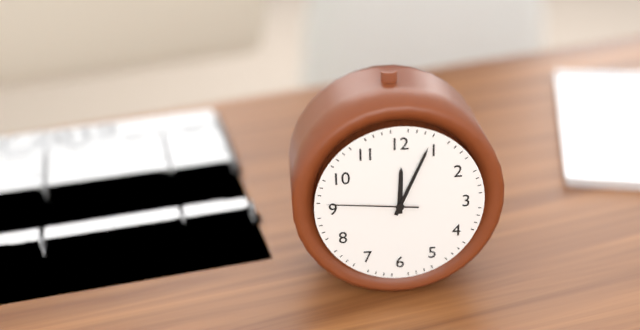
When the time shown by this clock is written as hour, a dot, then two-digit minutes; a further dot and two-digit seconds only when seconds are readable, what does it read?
12.04.46
